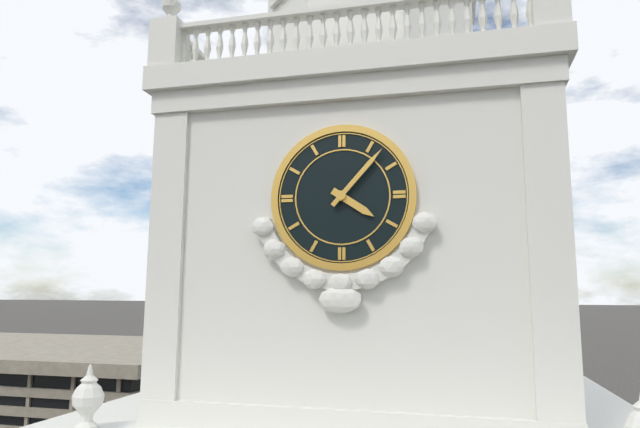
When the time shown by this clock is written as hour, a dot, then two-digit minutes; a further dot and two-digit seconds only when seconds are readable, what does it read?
4.07
